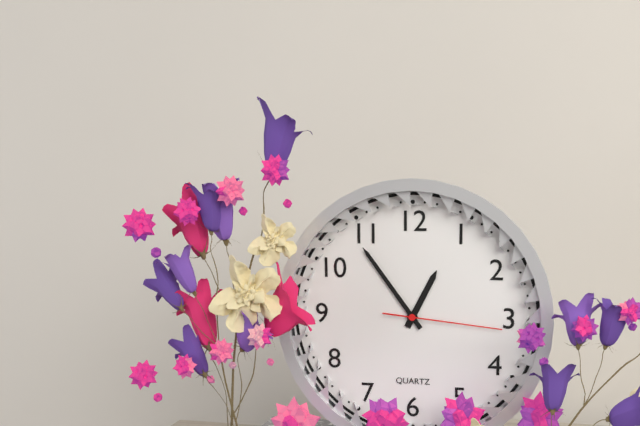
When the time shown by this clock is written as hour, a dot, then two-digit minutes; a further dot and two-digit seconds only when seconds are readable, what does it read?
12.54.16
